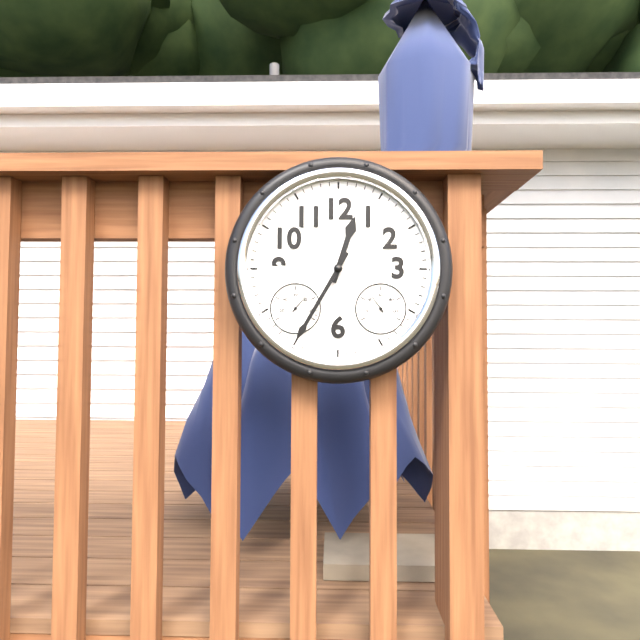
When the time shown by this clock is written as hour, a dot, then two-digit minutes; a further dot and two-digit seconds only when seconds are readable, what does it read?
12.35
